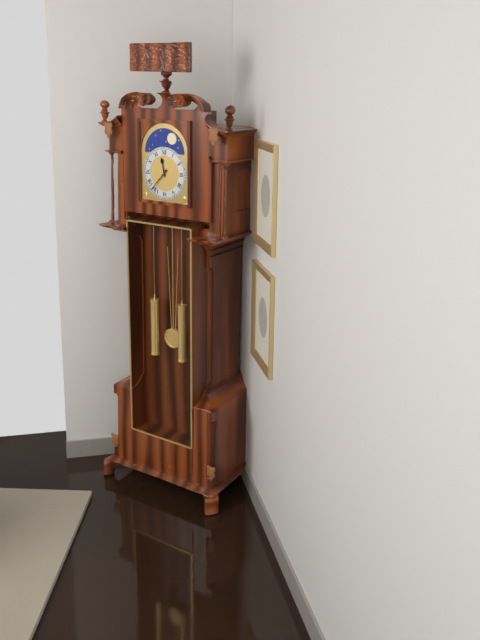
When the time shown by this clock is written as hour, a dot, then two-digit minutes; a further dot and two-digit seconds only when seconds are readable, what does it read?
11.37
